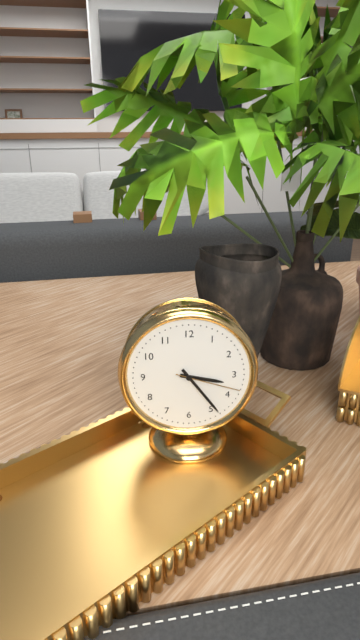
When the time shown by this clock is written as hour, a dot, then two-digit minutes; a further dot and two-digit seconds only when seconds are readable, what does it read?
3.24.18
